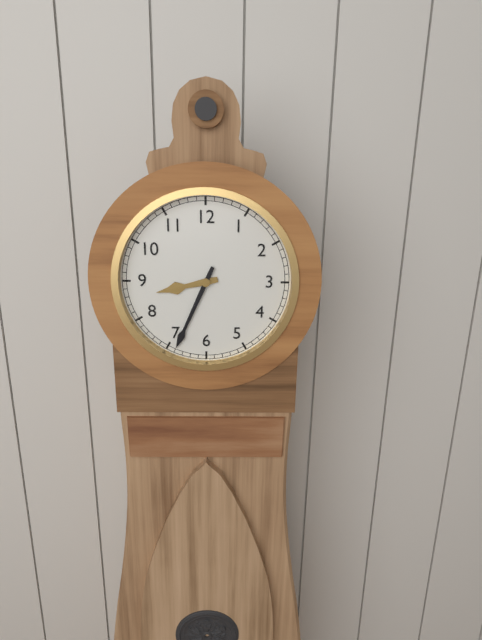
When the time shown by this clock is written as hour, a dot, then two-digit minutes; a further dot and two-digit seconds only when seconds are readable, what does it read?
8.34
